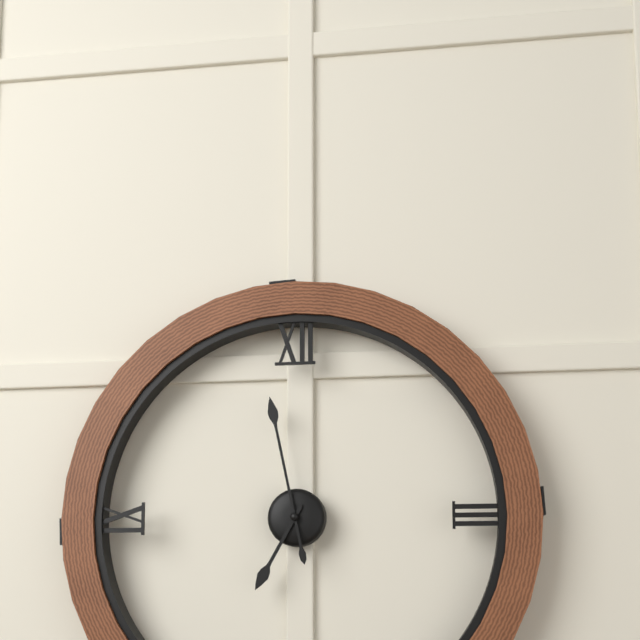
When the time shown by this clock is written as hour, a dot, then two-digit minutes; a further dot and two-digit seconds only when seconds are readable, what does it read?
6.58
